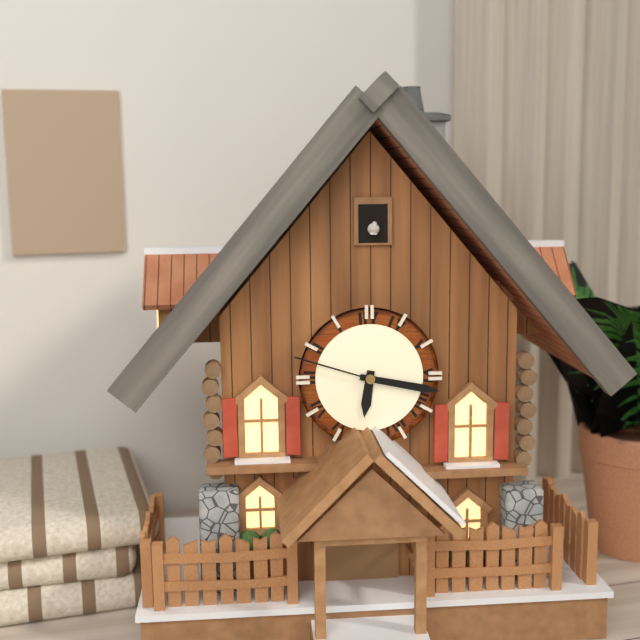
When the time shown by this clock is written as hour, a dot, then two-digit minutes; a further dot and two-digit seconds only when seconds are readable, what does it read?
6.17.48
